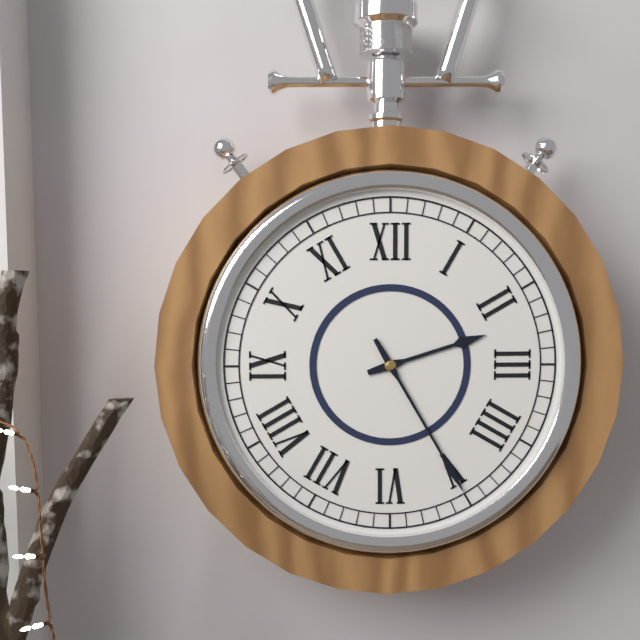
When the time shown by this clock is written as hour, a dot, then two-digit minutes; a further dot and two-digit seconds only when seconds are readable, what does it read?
2.25
